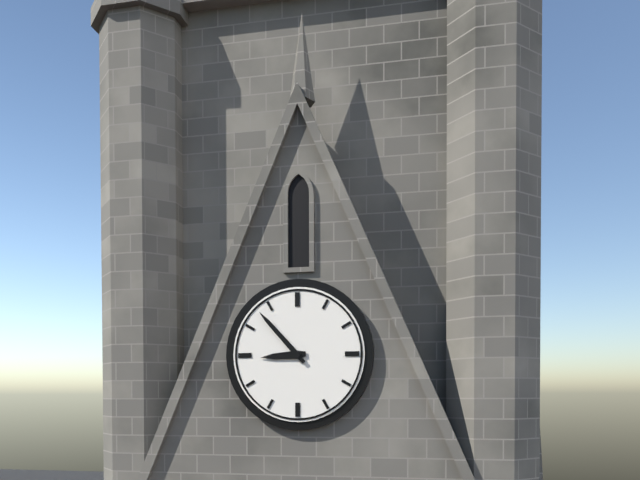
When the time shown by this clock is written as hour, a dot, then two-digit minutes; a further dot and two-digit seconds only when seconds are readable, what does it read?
8.53
